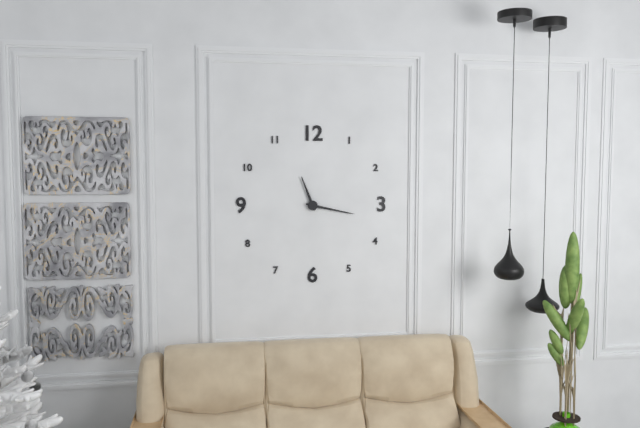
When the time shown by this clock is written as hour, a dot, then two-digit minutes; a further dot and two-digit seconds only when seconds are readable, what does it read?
11.17
